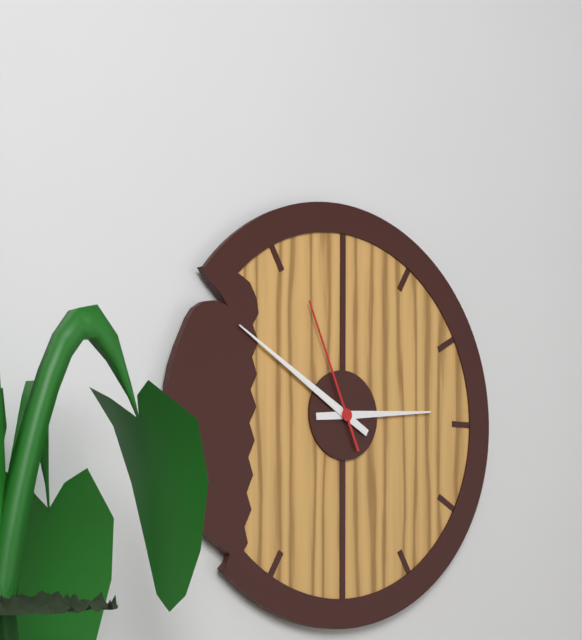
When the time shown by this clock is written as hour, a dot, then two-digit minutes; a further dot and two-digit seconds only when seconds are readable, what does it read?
2.50.56
